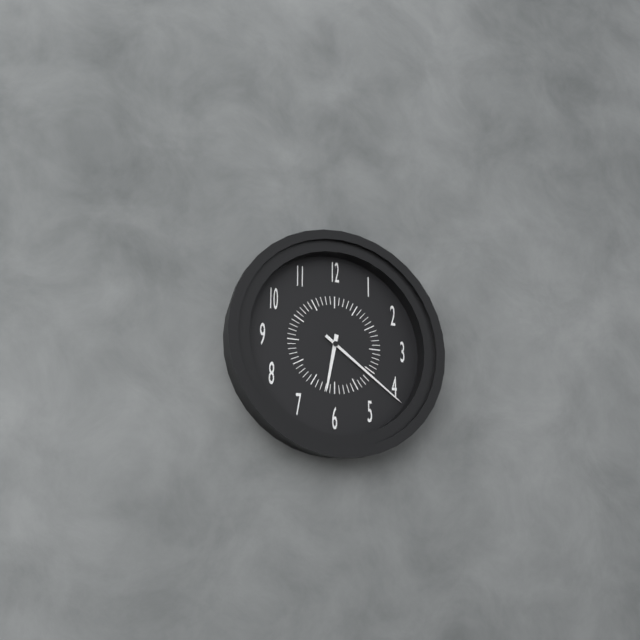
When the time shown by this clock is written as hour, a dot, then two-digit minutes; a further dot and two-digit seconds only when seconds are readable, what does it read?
6.21
